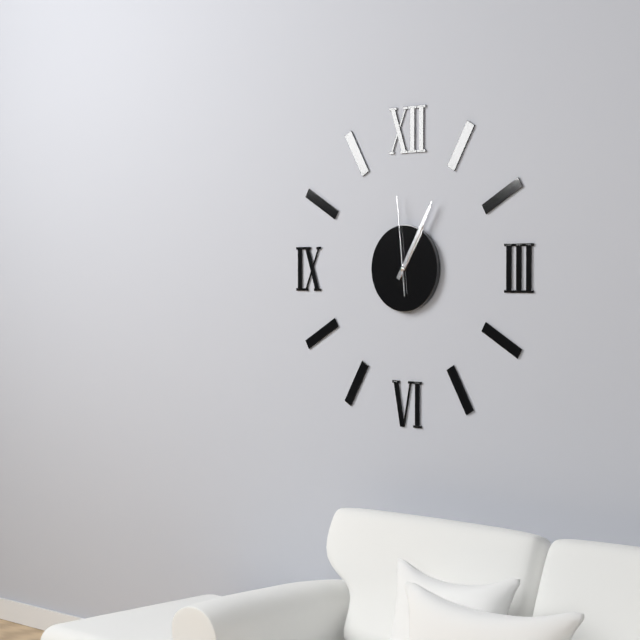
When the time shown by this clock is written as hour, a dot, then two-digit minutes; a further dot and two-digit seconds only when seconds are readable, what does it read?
1.05.59
